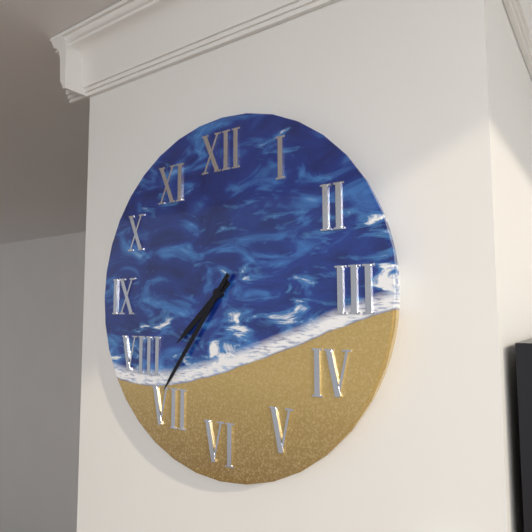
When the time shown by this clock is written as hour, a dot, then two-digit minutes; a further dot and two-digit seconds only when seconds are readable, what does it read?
7.36
